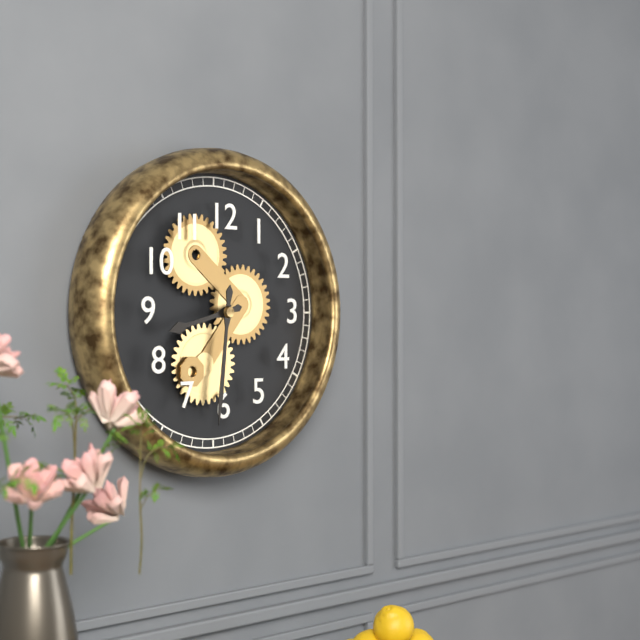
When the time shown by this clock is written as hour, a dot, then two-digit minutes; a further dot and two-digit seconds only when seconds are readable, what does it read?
8.31
